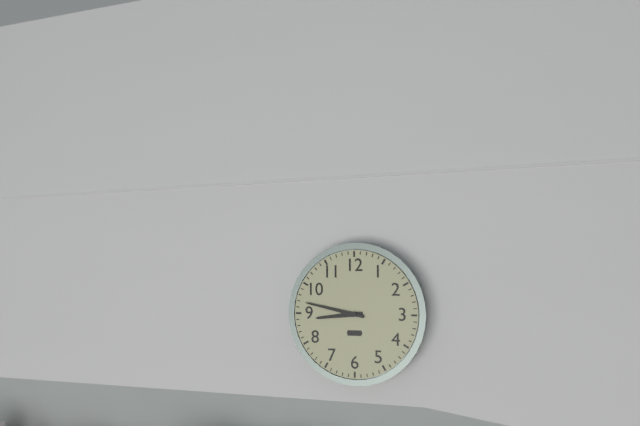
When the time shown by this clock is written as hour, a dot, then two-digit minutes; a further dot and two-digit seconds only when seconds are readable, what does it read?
8.47
